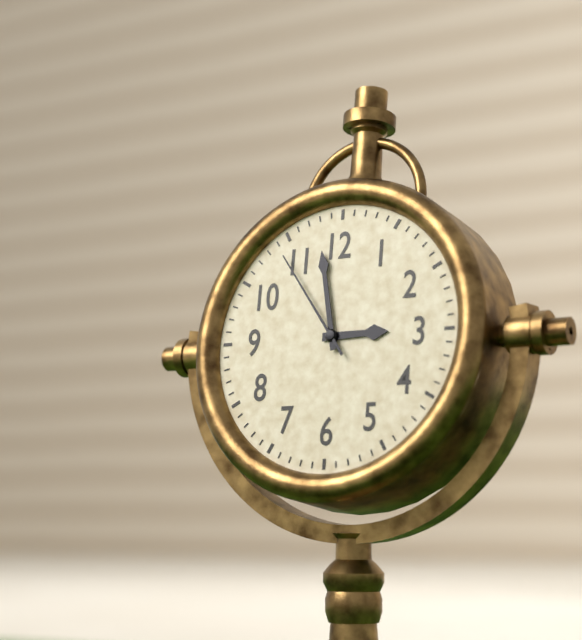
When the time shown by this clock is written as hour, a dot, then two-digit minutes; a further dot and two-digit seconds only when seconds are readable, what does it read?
2.58.54
